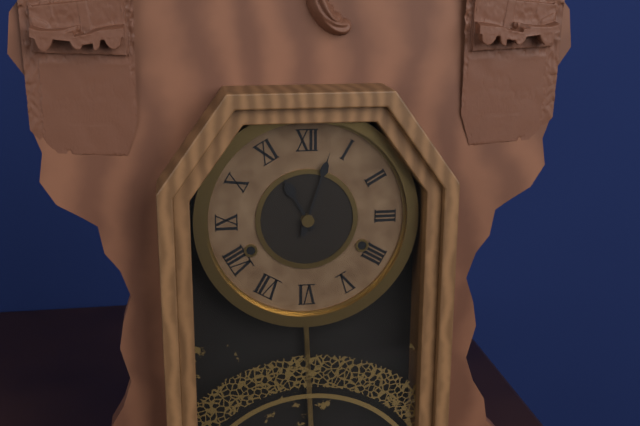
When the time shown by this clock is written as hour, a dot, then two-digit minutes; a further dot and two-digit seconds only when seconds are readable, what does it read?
11.03
